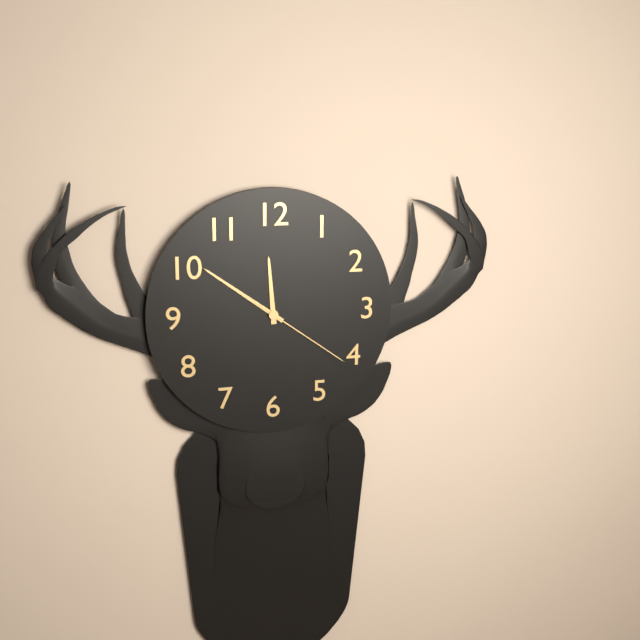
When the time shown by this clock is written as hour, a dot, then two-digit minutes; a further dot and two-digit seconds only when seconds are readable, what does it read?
11.51.21
